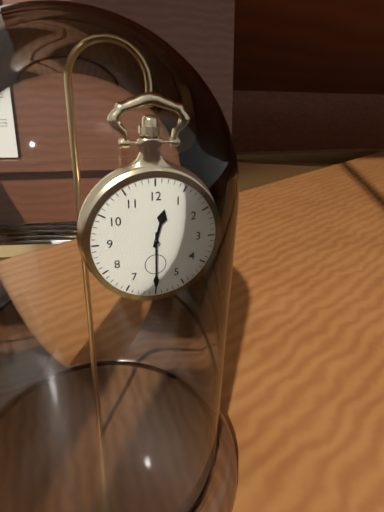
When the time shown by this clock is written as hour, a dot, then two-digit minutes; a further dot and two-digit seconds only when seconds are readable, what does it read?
12.30
